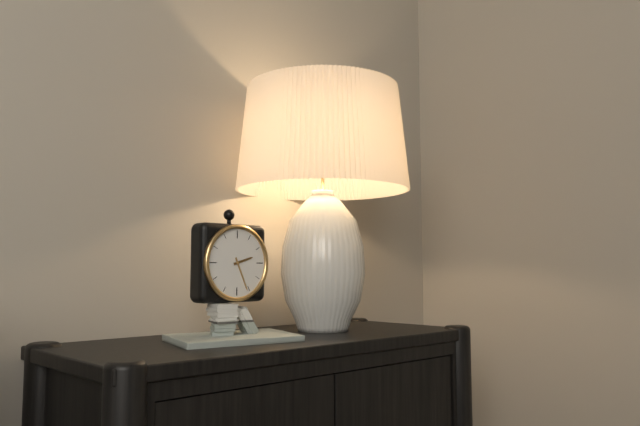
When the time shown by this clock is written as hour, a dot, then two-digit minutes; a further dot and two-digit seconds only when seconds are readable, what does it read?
2.26
